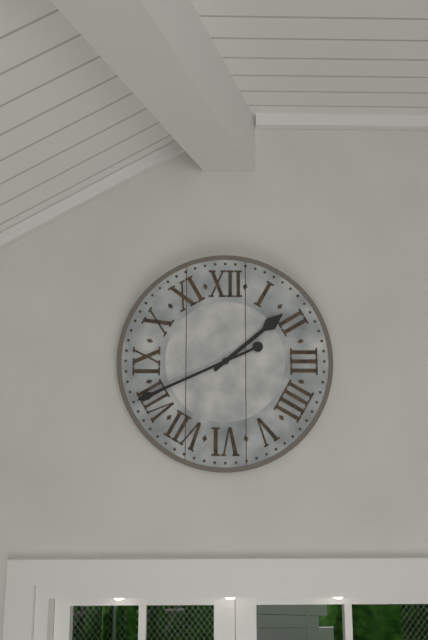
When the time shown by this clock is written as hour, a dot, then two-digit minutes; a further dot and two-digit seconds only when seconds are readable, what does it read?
1.41
